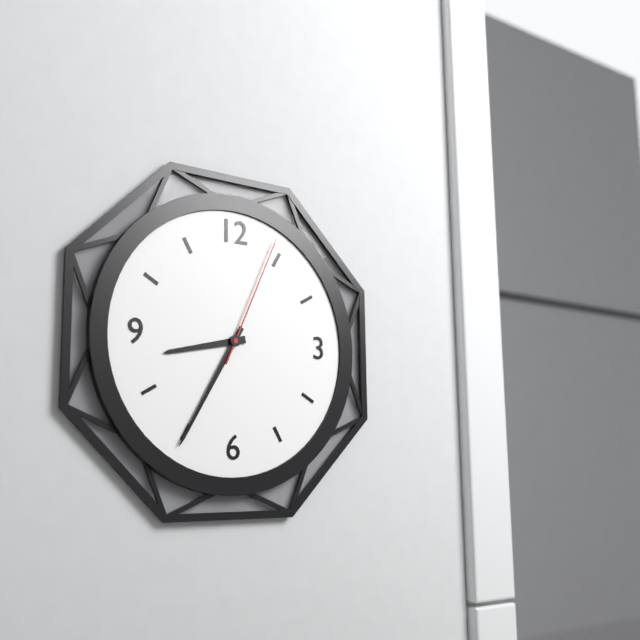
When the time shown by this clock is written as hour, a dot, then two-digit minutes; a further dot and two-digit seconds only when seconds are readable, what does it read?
8.35.04
